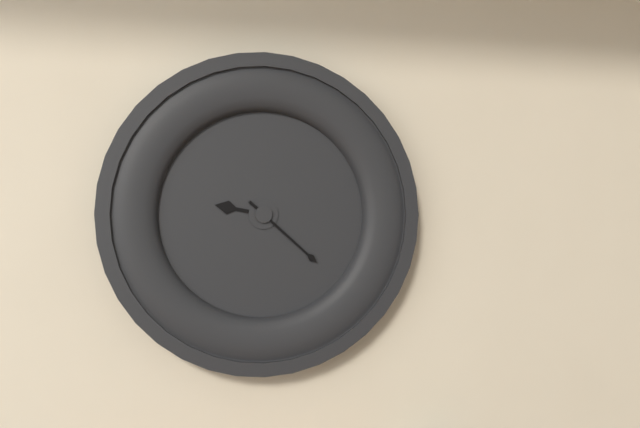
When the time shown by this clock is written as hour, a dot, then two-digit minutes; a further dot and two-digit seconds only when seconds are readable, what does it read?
9.22
